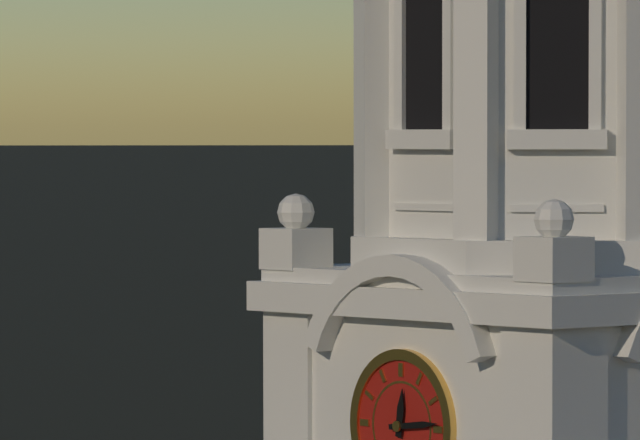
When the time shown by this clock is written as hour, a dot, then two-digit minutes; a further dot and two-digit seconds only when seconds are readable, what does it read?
12.14
